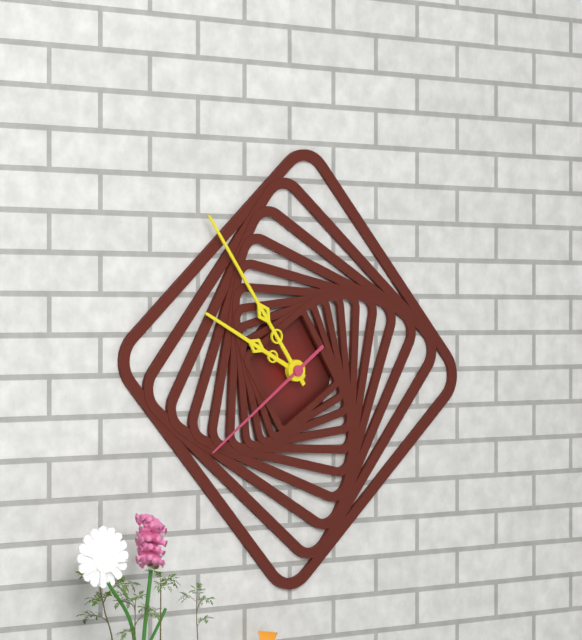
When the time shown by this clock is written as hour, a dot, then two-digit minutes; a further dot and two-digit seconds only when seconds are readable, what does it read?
9.54.39
